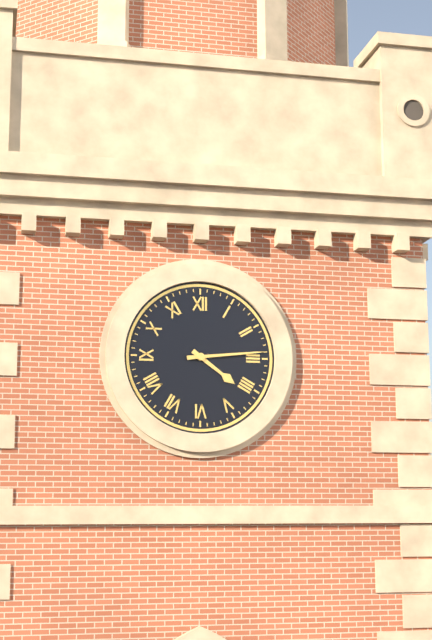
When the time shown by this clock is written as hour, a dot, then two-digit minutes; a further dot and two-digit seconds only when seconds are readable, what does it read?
4.14
